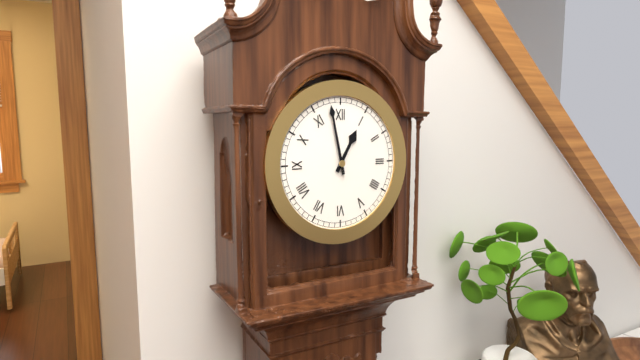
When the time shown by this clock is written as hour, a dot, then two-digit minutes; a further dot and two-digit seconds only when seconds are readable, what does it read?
12.58
